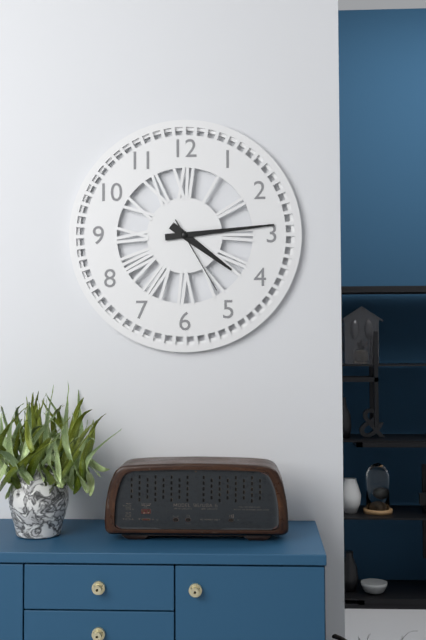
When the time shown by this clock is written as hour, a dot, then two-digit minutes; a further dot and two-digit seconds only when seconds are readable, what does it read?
4.14.25
